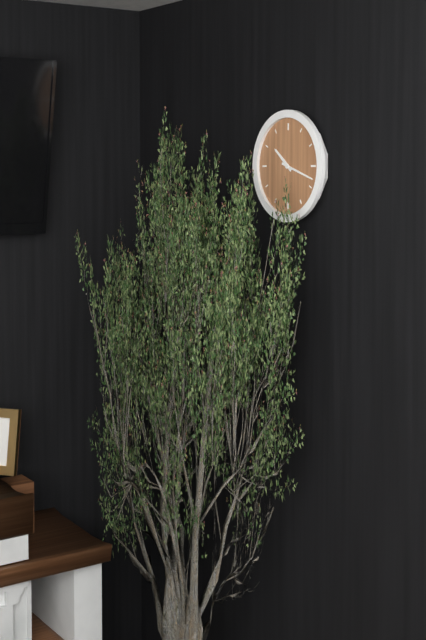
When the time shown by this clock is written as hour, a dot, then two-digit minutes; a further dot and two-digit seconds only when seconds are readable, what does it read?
10.18
